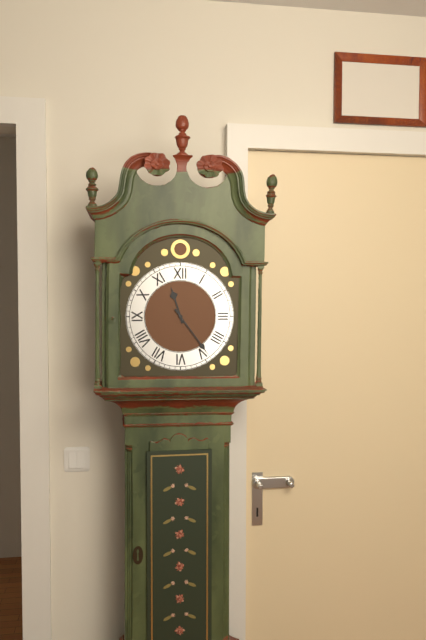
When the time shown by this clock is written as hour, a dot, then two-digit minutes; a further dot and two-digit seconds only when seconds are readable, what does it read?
11.24
